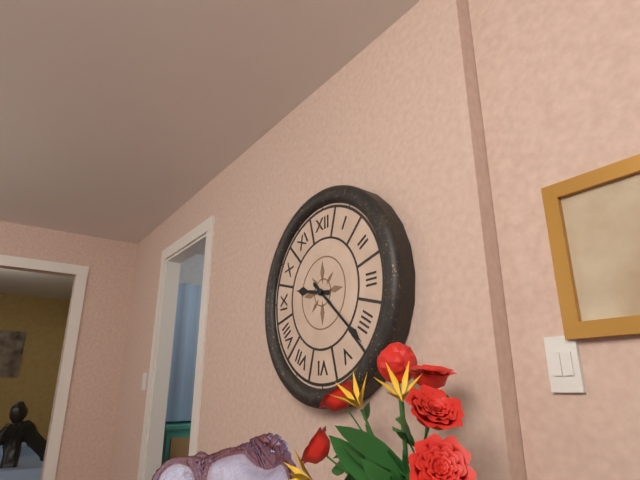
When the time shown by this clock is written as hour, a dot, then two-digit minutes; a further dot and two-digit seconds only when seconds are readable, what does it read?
9.22
